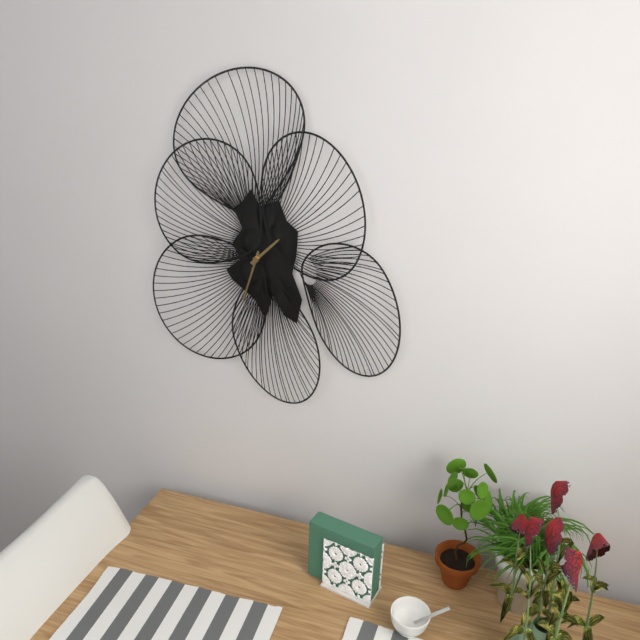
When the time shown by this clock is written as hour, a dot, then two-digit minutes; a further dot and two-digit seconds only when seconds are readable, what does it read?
1.33
